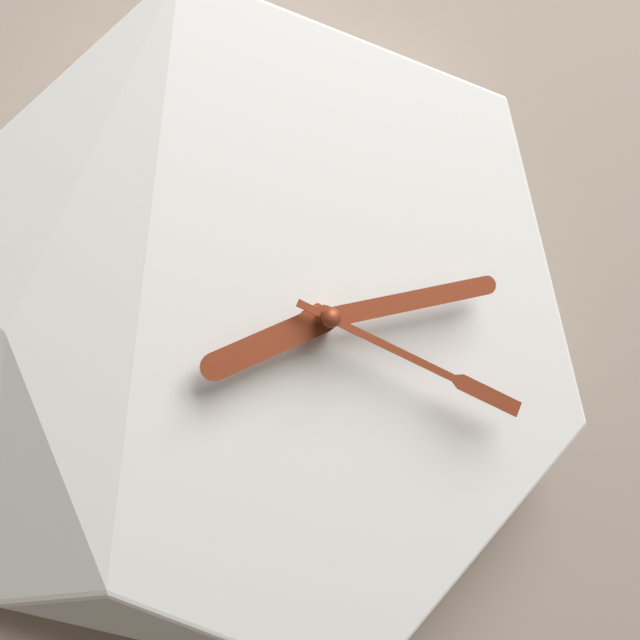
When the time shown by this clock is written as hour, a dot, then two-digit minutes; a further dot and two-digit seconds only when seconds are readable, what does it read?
8.13.19
